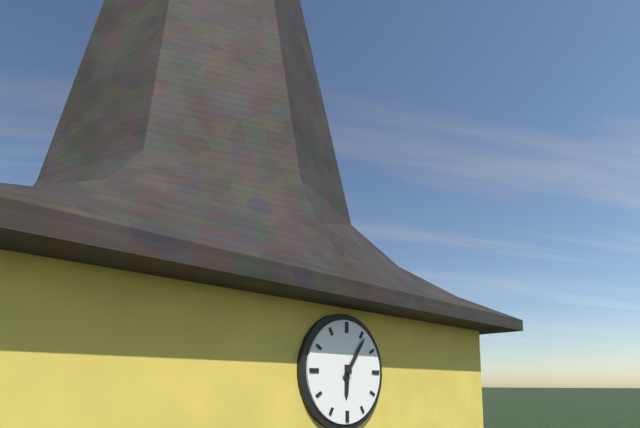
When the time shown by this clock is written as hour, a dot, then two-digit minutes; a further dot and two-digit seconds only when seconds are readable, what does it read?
6.06
